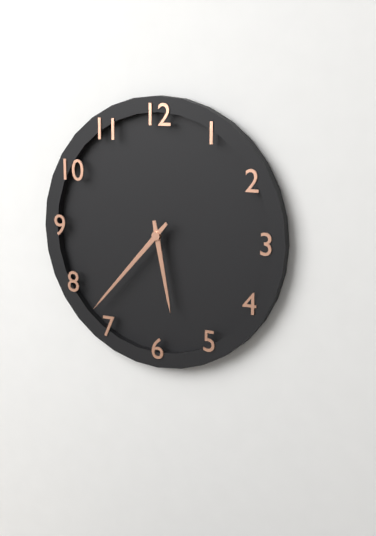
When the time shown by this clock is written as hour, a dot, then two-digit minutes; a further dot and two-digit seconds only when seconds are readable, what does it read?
5.37
